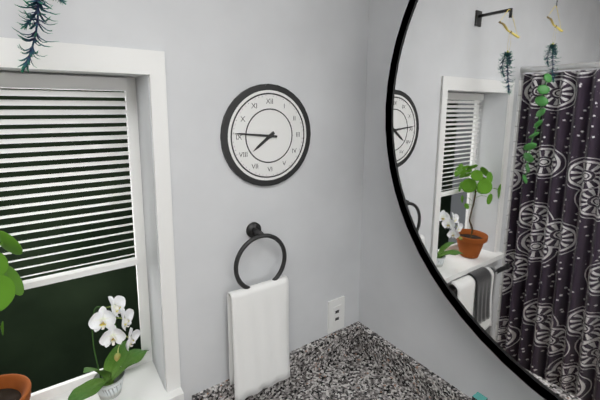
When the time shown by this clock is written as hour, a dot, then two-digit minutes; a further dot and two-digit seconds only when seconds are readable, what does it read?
7.46
